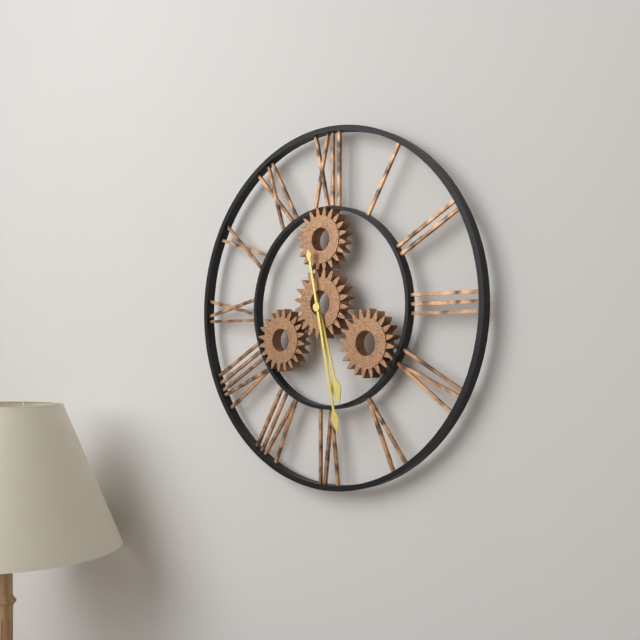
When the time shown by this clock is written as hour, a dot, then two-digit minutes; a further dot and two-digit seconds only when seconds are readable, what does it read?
5.28
